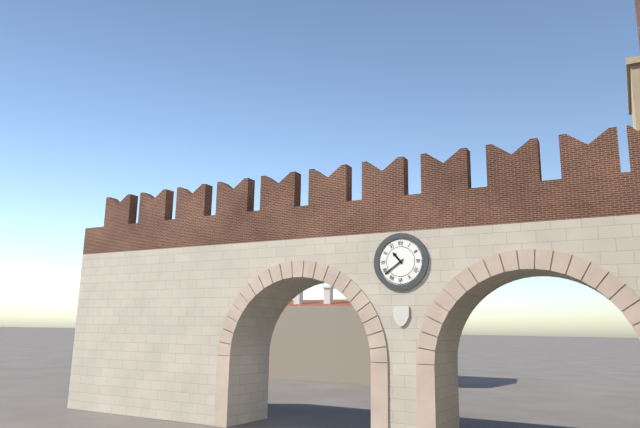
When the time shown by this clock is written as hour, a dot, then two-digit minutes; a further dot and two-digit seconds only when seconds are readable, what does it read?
10.39
